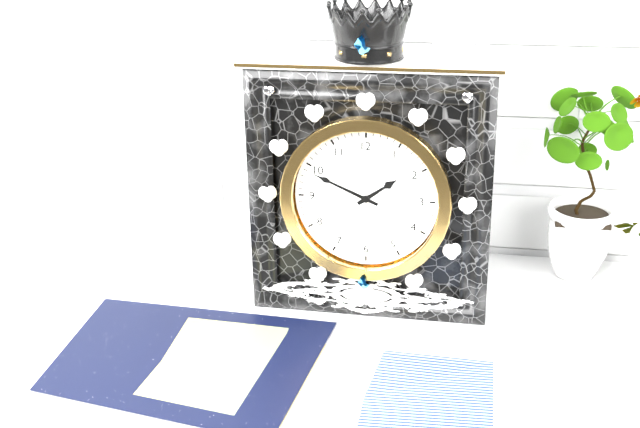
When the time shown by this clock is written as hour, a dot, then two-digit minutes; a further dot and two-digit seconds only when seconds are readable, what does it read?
1.49
